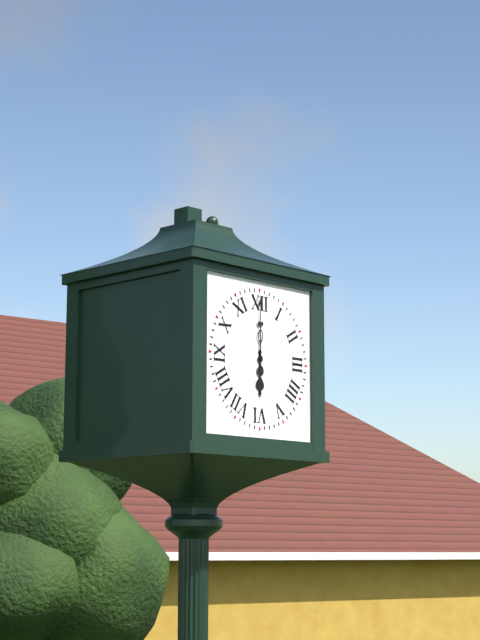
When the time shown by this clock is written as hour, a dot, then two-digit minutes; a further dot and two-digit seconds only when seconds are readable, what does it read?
6.00
